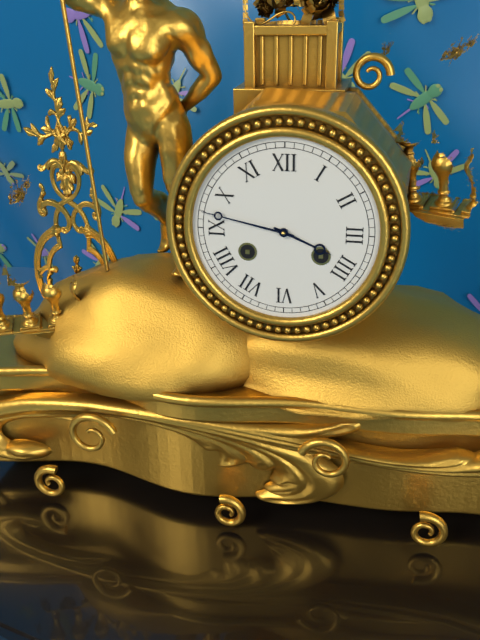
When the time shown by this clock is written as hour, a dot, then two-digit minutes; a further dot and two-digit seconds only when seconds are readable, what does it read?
3.47
